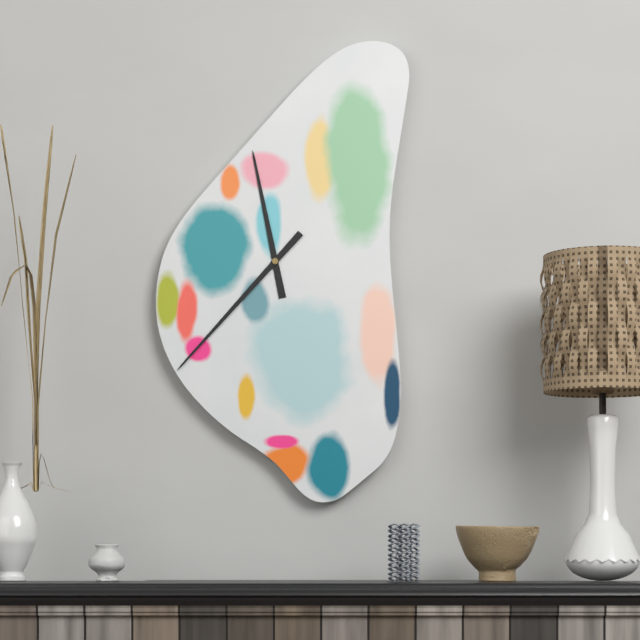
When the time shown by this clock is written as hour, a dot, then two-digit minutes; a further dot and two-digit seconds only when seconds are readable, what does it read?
11.37
